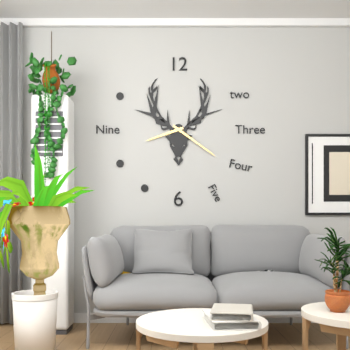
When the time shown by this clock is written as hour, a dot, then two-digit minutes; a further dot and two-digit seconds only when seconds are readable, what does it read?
8.21
